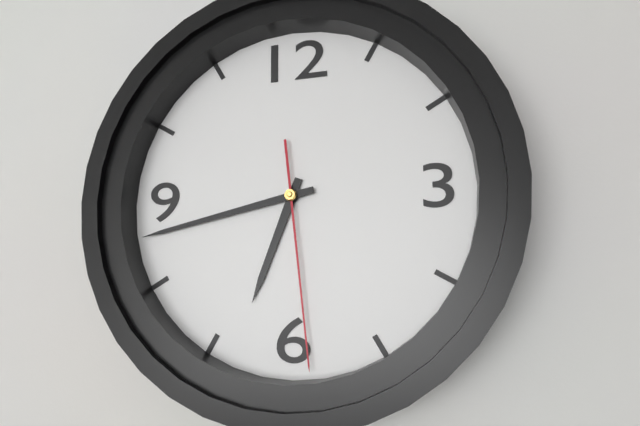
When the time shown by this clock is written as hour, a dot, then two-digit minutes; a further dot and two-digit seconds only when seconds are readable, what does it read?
6.43.29
